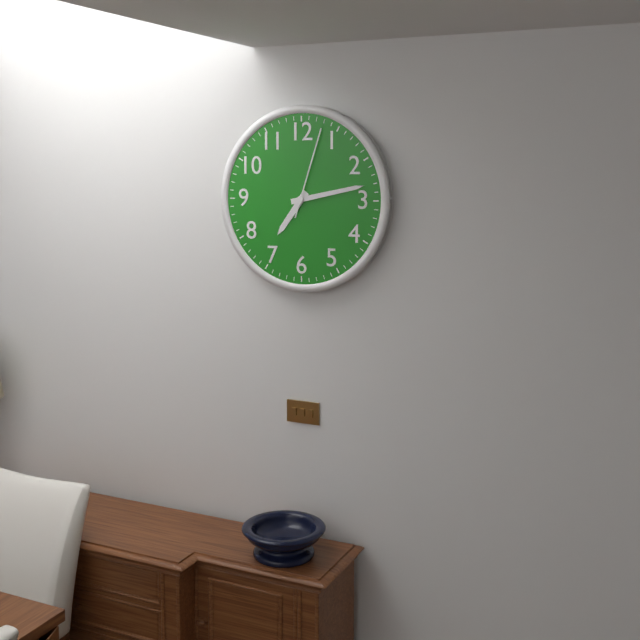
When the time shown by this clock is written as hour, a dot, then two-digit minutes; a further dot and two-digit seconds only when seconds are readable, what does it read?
7.13.03
